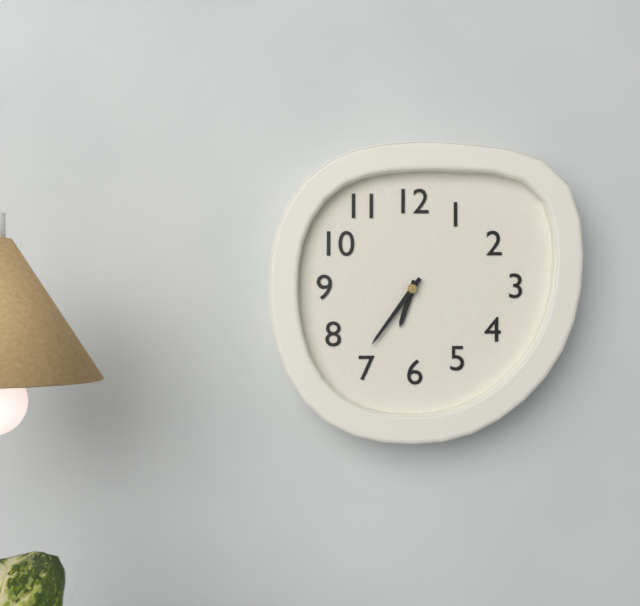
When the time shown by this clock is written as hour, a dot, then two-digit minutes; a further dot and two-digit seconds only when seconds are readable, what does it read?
6.36
